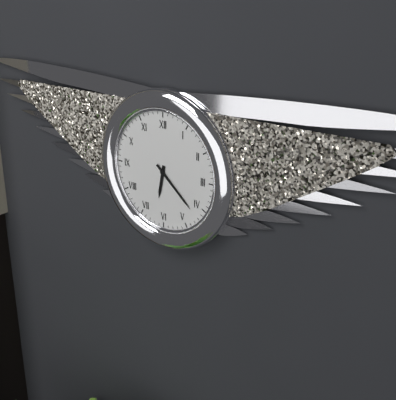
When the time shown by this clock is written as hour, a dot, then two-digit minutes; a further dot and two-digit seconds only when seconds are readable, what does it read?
6.22
